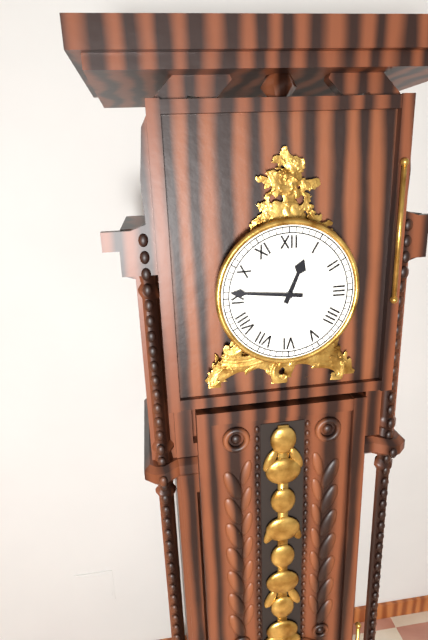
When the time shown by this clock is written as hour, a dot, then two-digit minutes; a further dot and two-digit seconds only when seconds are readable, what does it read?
12.46
